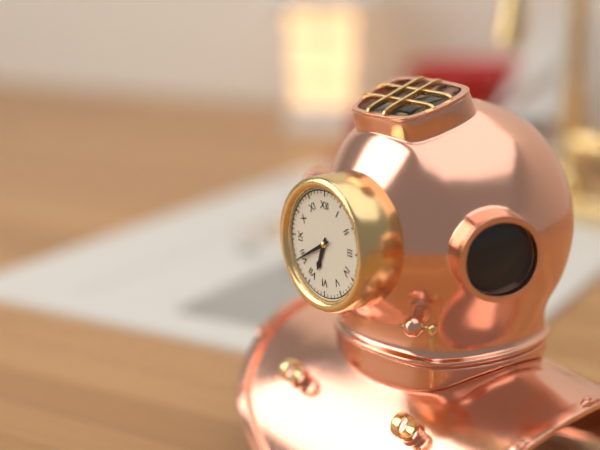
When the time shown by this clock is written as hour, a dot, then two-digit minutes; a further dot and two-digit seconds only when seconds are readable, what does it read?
6.40
